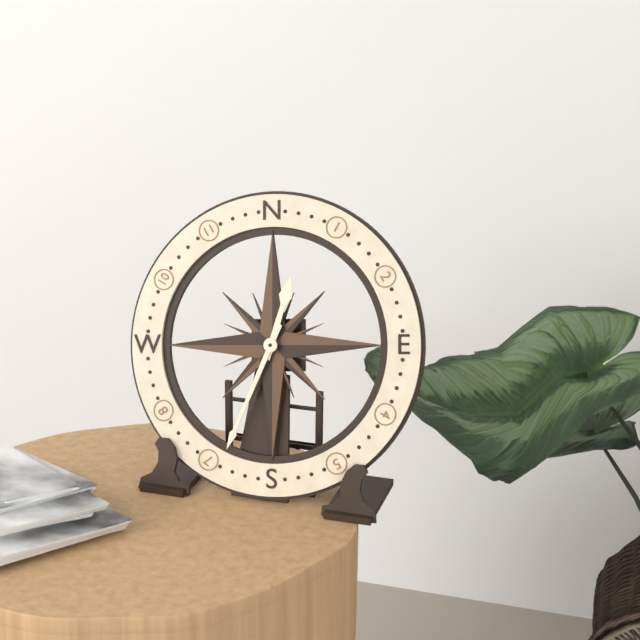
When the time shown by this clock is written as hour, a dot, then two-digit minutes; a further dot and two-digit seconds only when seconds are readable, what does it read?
12.34
